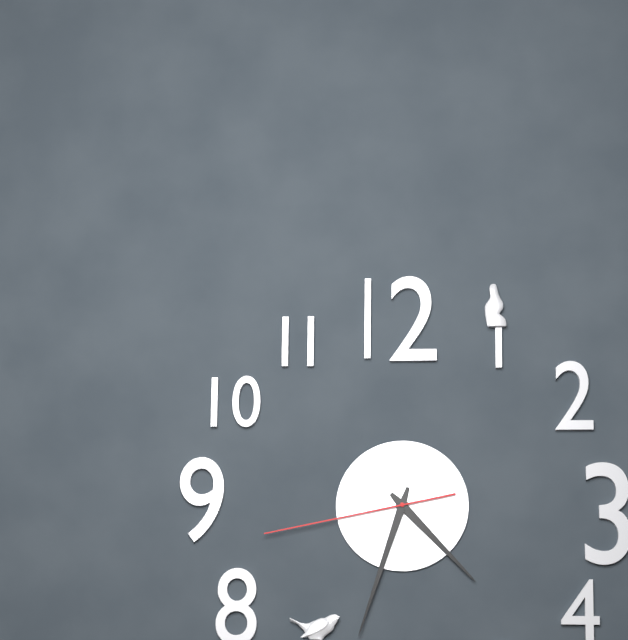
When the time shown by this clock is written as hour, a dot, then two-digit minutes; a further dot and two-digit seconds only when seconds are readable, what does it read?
4.33.43
